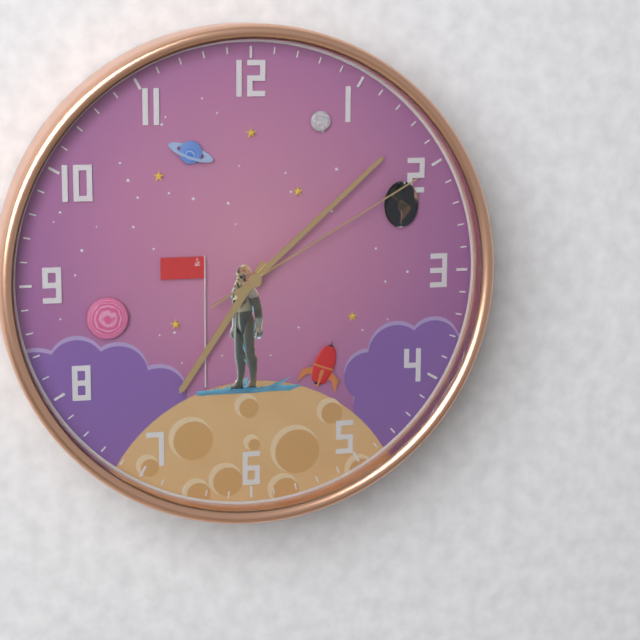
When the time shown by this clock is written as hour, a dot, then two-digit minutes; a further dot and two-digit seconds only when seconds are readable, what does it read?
7.08.10
